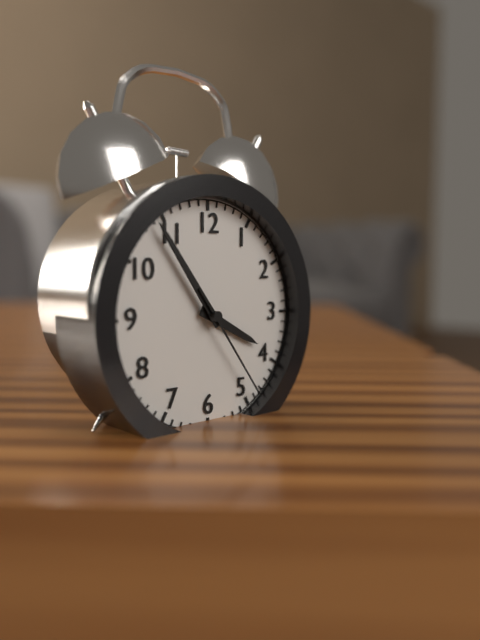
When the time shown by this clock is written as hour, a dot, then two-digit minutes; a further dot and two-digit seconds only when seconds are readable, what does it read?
3.54.24
